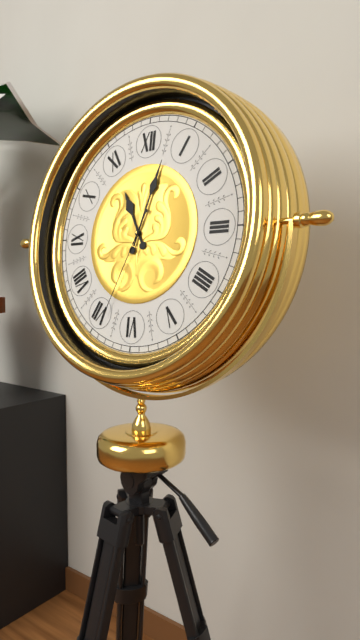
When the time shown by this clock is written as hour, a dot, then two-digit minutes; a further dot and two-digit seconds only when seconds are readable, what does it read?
11.03.34
